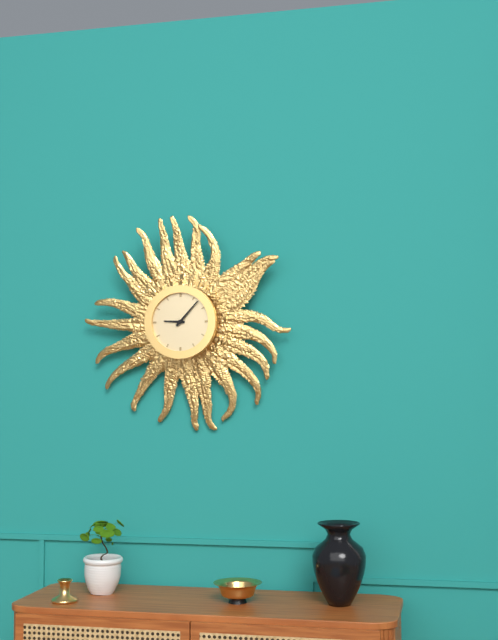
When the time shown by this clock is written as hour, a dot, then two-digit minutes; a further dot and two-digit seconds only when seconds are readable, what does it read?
9.07
